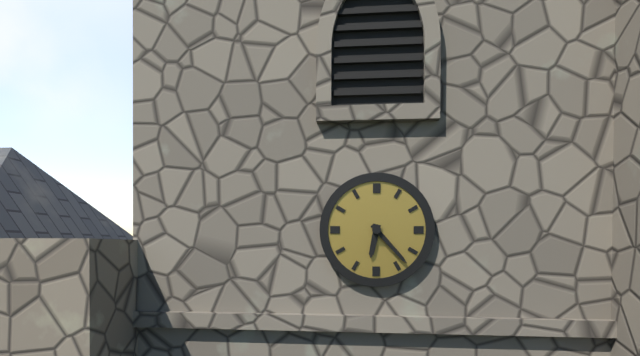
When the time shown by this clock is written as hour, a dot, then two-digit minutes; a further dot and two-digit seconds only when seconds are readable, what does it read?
6.23
